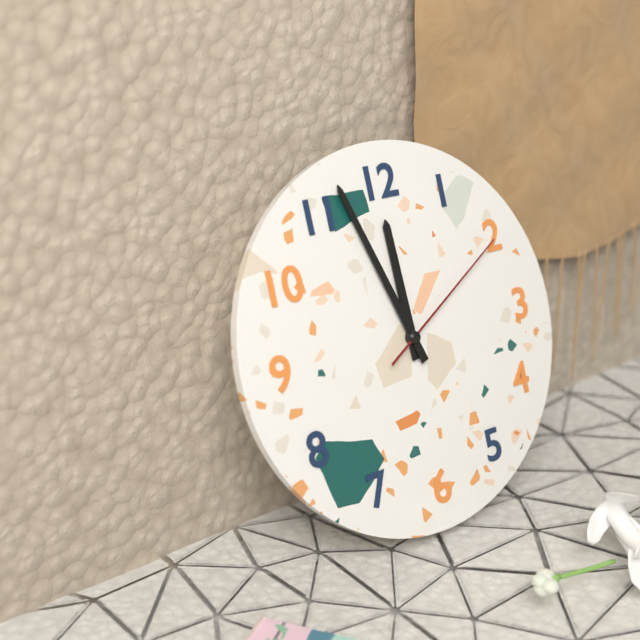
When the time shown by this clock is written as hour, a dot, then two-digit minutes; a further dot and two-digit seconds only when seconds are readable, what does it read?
11.57.10
